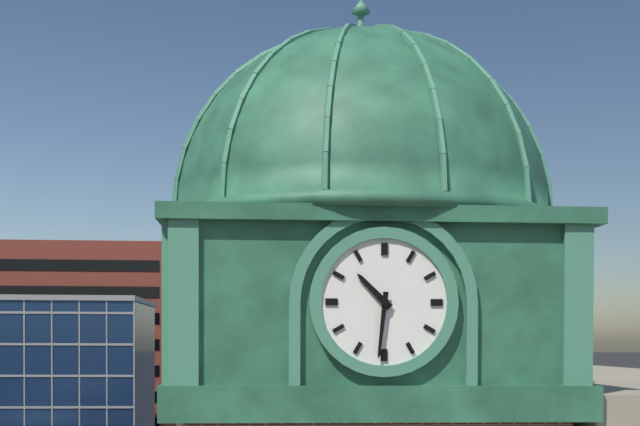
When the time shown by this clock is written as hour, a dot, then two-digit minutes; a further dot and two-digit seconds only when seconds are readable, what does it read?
10.31
